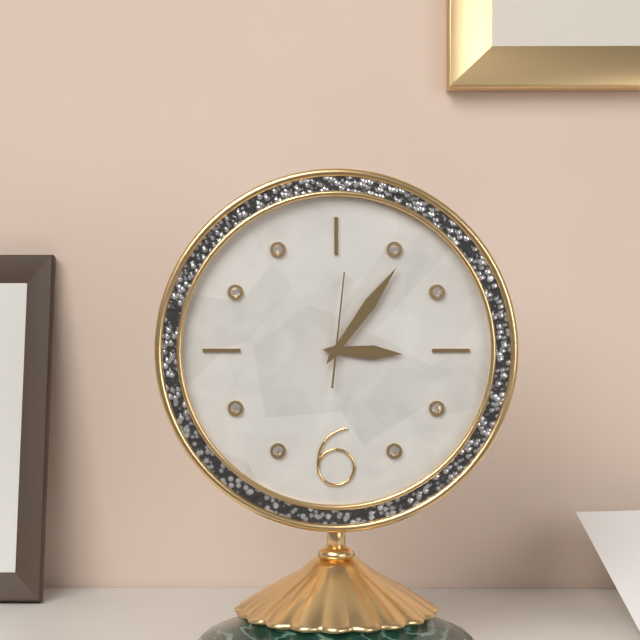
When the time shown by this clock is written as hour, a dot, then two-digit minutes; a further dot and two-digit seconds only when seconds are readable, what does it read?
3.06.01
